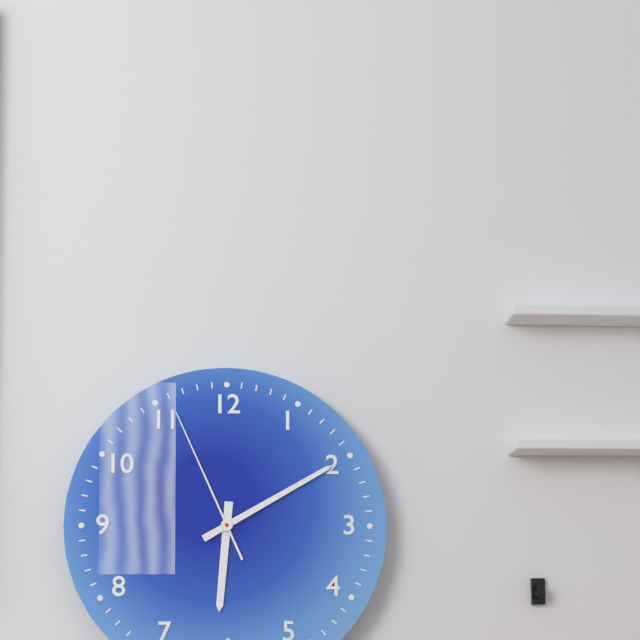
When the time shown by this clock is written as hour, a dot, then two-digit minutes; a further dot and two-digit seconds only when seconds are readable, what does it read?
6.10.56
